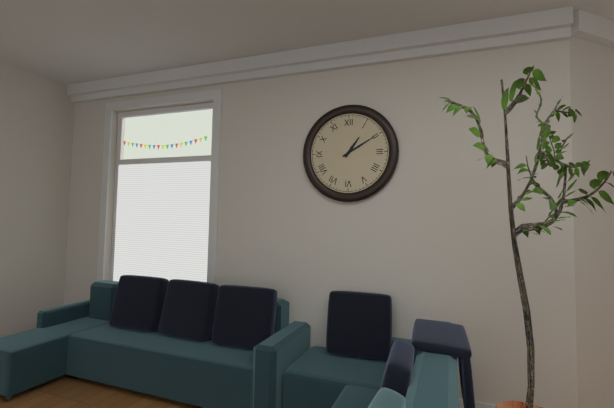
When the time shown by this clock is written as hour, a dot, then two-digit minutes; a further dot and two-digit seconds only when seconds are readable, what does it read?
1.10
